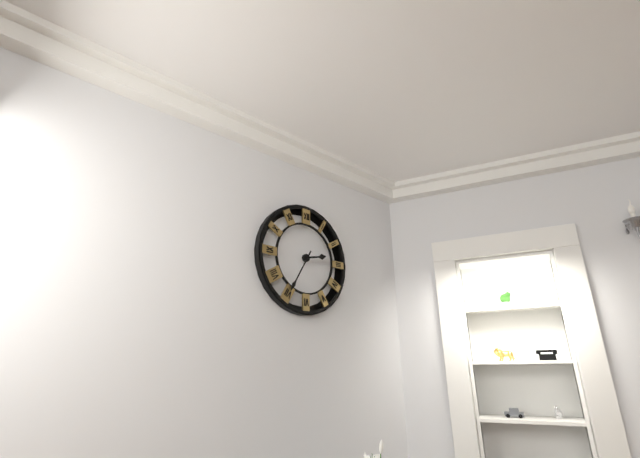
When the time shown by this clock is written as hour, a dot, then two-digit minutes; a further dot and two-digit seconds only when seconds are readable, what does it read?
2.35
